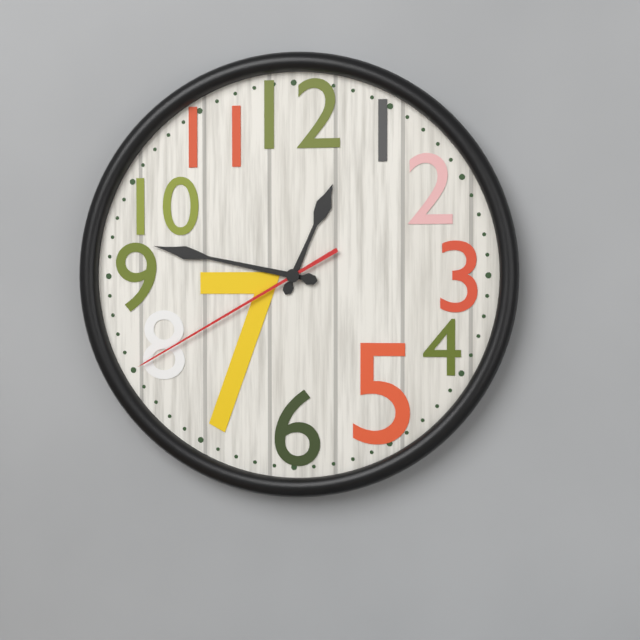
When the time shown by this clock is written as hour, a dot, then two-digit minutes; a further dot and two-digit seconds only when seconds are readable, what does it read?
12.47.40
